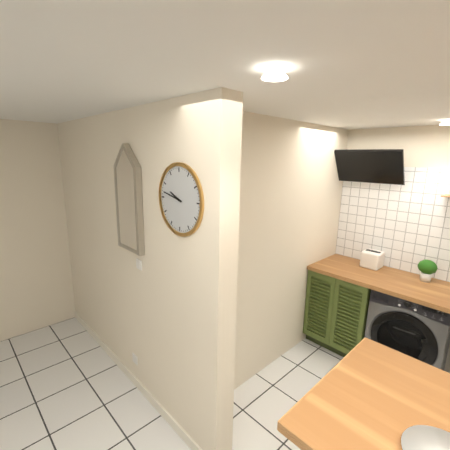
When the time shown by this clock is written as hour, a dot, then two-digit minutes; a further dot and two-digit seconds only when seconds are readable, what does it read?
9.47
